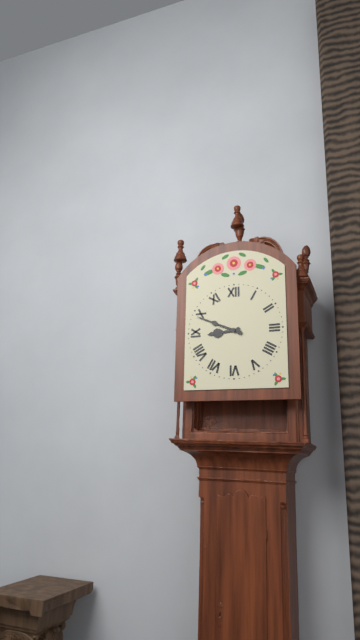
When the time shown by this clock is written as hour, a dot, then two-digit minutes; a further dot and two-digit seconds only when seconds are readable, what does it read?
8.49
